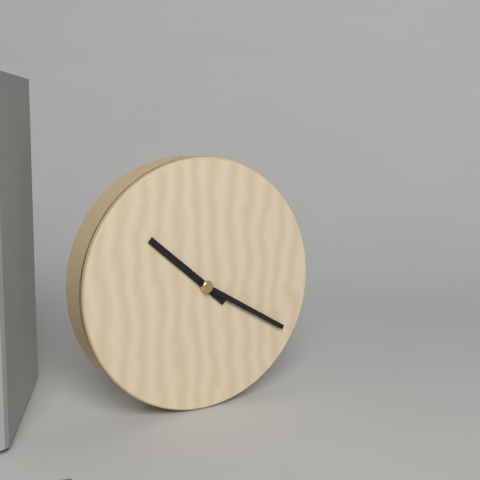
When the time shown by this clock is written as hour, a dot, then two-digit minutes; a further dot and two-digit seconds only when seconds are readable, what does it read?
10.20
